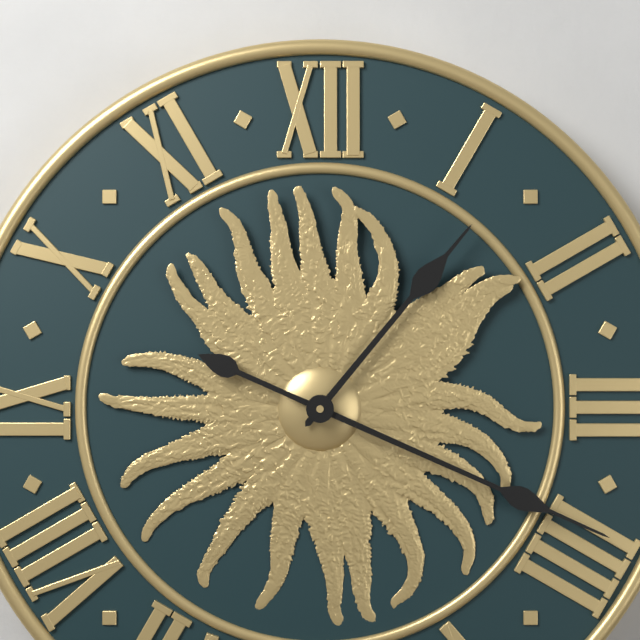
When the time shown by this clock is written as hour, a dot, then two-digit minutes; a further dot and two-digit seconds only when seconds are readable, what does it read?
1.19
